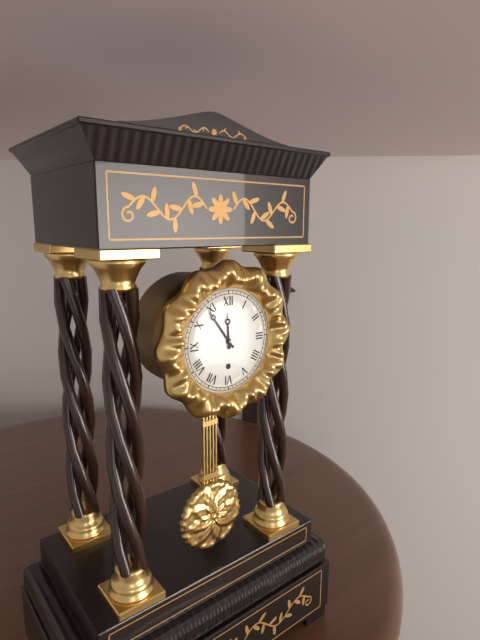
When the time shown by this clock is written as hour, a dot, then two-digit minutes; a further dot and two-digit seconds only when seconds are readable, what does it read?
11.54
